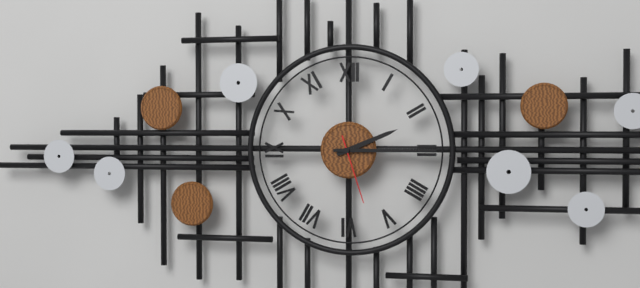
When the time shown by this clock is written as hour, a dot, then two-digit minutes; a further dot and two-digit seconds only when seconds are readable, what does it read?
2.15.27
